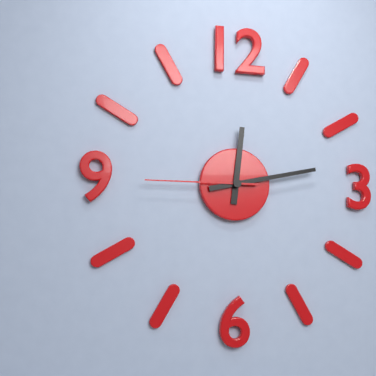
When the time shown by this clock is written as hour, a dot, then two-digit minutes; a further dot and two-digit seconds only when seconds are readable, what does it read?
12.13.45
